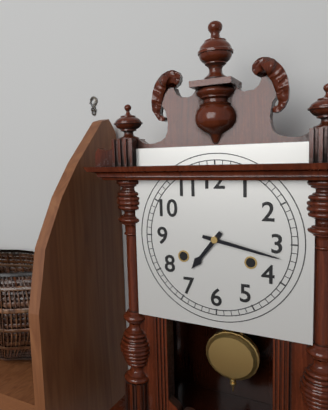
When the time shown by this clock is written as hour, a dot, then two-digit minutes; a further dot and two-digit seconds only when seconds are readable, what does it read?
7.17
